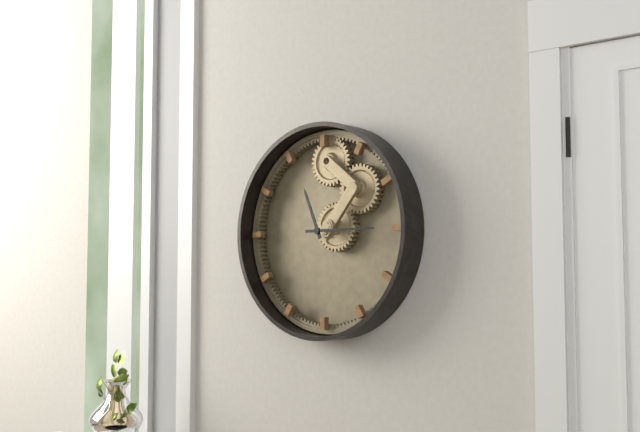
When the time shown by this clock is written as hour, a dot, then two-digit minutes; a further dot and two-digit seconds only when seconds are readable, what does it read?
11.15
